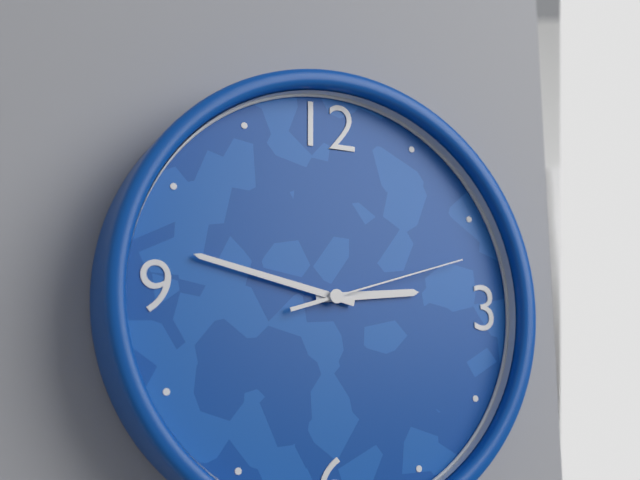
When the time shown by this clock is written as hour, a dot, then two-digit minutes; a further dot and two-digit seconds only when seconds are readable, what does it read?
2.47.12
